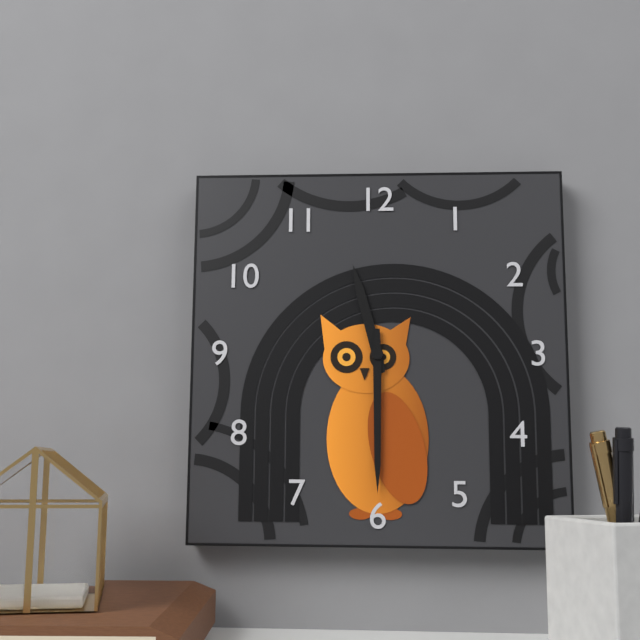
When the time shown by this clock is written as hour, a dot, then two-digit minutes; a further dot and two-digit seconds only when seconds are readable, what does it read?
11.30
